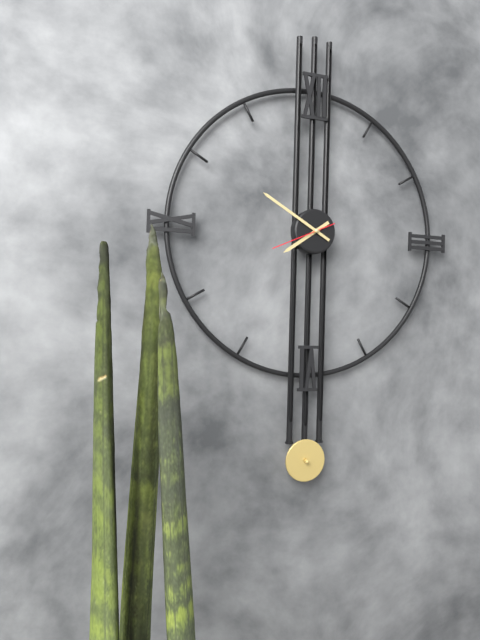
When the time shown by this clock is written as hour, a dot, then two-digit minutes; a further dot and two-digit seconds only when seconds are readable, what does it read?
7.50.41
